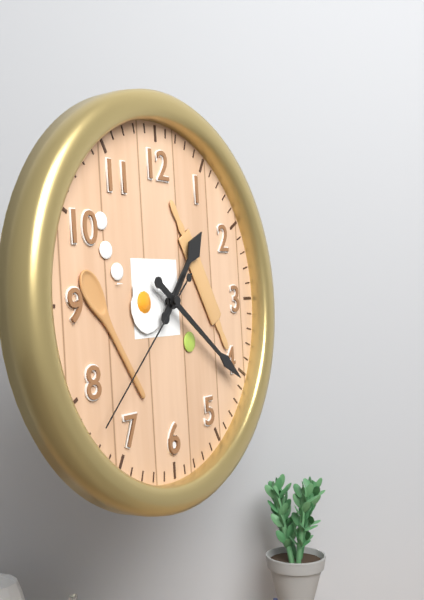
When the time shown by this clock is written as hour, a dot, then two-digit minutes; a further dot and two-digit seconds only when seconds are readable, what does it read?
1.21.38
